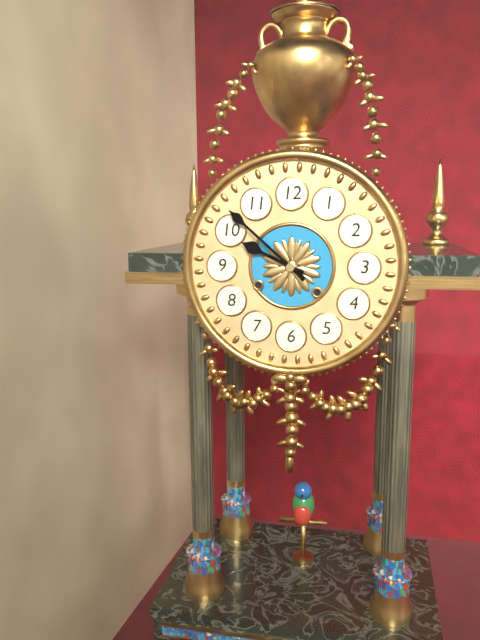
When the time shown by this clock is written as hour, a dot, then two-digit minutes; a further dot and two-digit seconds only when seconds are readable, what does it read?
9.52
